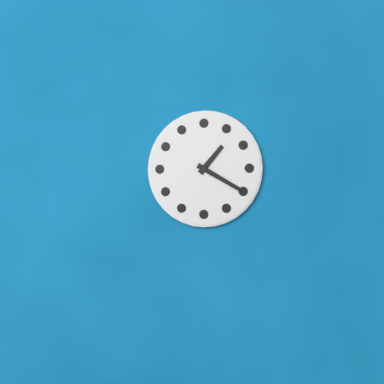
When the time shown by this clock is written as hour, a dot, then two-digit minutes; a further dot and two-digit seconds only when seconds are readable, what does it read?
1.20
